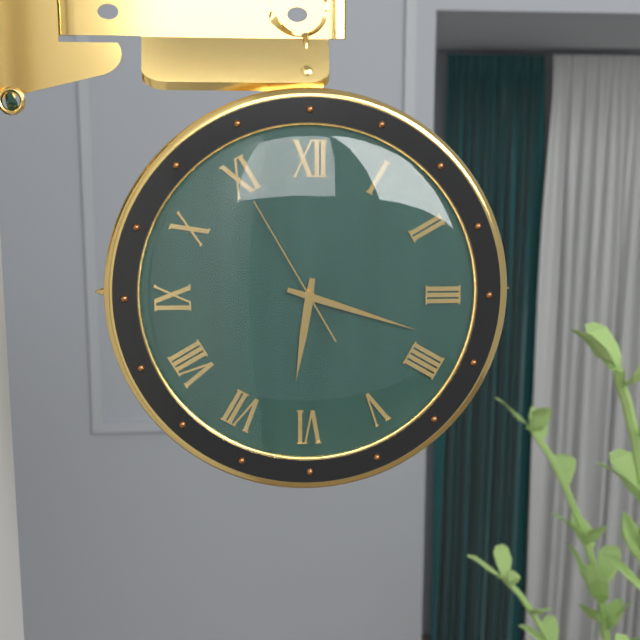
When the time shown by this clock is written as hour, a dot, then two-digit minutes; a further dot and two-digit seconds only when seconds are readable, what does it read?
6.18.55
